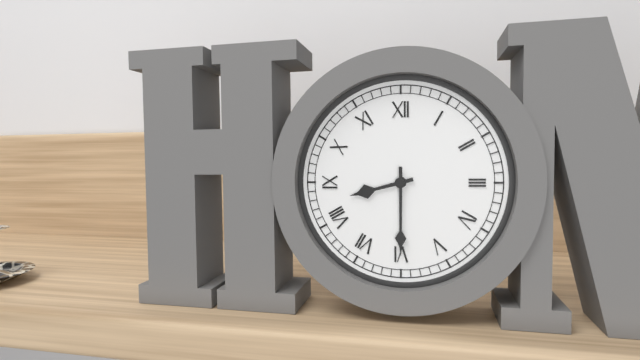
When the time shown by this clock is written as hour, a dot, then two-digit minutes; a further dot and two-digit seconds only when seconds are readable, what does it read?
8.30
